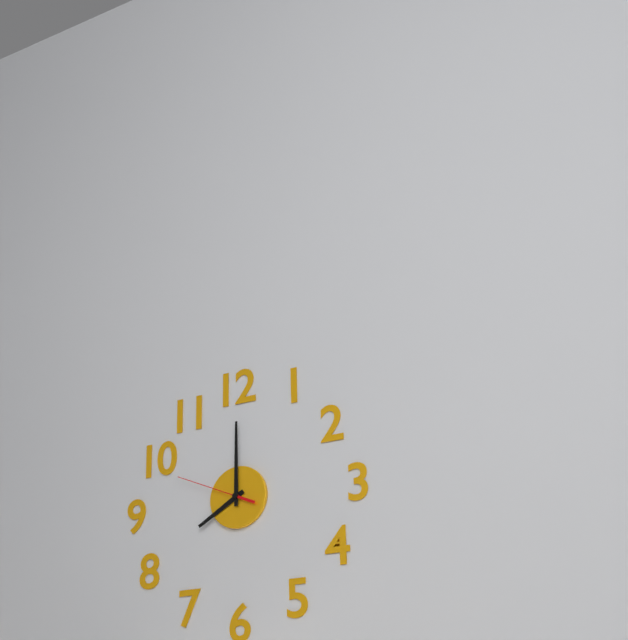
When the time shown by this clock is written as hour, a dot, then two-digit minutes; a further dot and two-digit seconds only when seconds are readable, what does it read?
8.00.49
